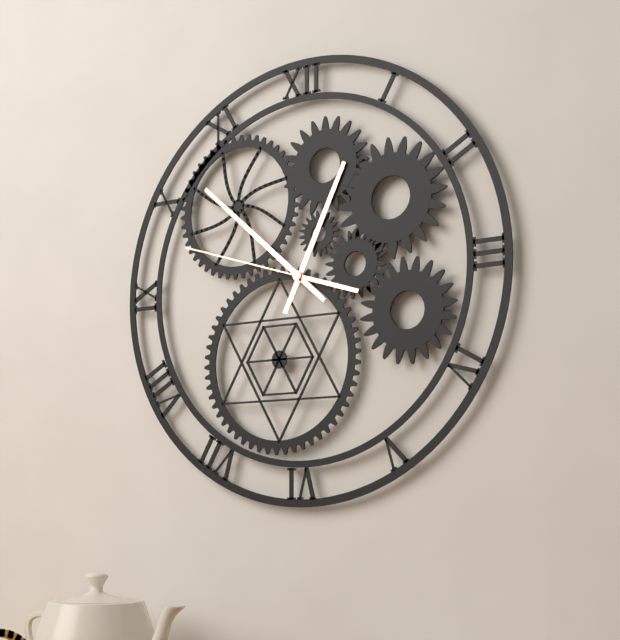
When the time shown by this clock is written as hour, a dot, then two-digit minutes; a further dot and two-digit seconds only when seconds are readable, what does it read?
12.52.48
